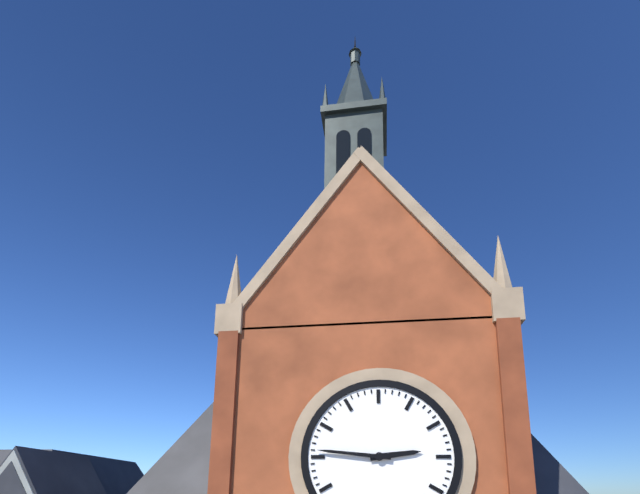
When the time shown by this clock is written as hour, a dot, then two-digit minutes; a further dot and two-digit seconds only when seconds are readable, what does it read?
2.46
